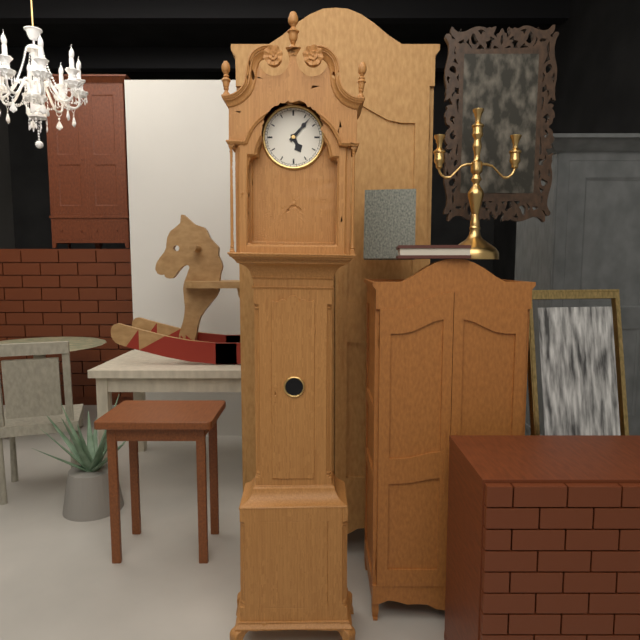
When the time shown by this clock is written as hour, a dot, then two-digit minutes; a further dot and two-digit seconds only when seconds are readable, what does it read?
5.07
